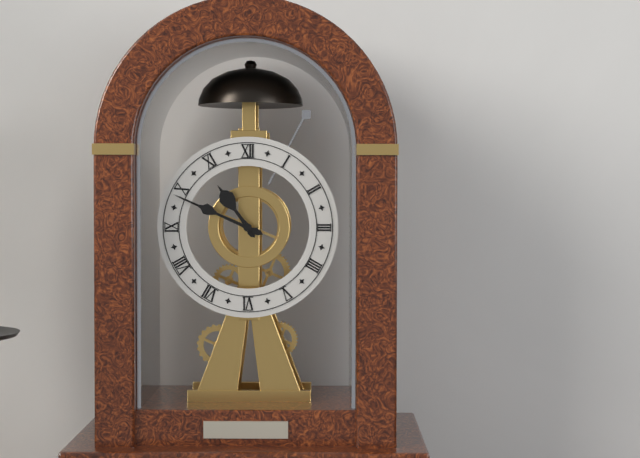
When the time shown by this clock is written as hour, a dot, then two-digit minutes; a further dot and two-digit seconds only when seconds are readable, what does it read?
10.49
